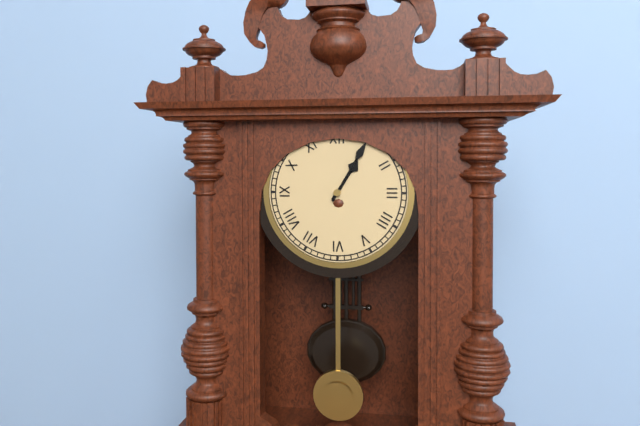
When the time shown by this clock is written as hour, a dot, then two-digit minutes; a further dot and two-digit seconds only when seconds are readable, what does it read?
1.05
